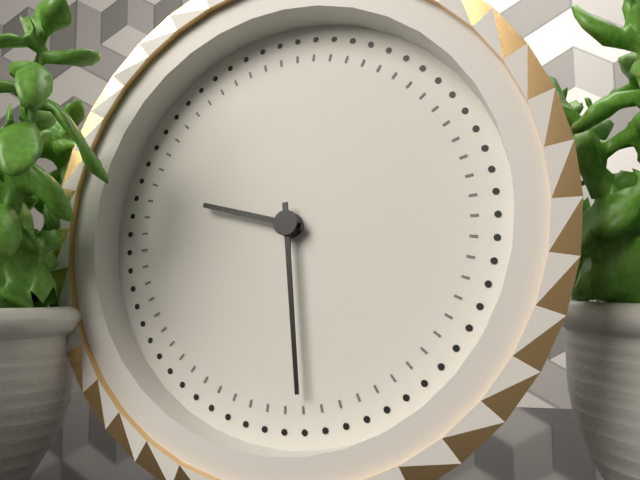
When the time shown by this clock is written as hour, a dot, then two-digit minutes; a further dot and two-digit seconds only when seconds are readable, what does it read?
9.29
